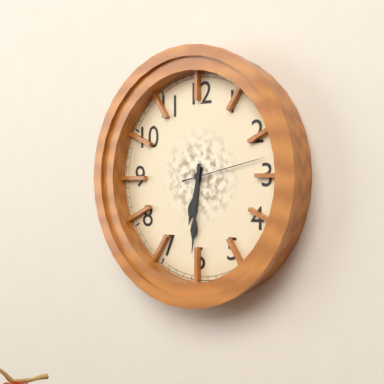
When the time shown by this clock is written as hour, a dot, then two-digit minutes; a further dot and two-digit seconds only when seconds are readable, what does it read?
6.31.13
